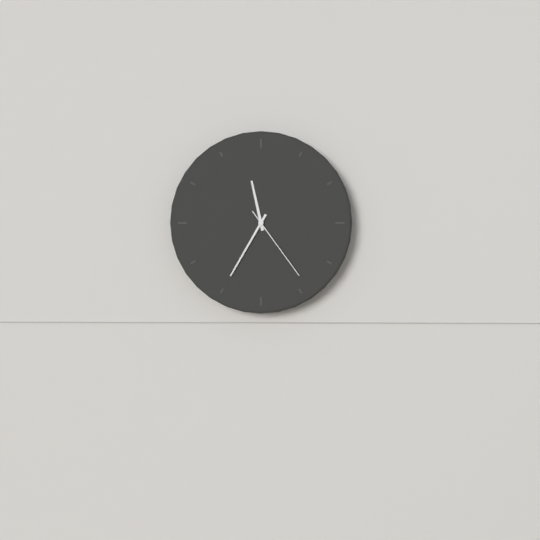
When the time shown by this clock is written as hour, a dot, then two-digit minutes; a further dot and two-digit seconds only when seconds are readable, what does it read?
11.35.24
